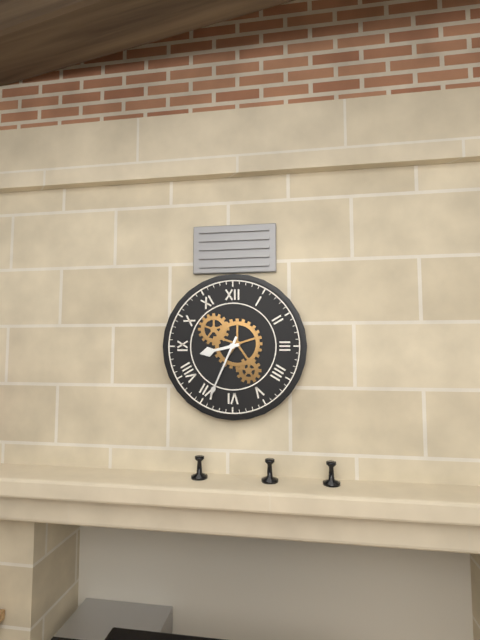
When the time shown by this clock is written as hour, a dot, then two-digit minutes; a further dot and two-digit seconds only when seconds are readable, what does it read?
8.34
